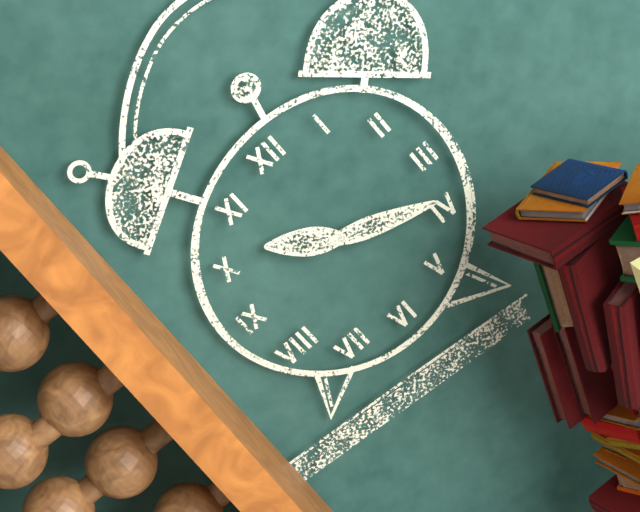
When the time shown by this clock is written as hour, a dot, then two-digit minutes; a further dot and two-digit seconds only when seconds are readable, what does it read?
10.19
